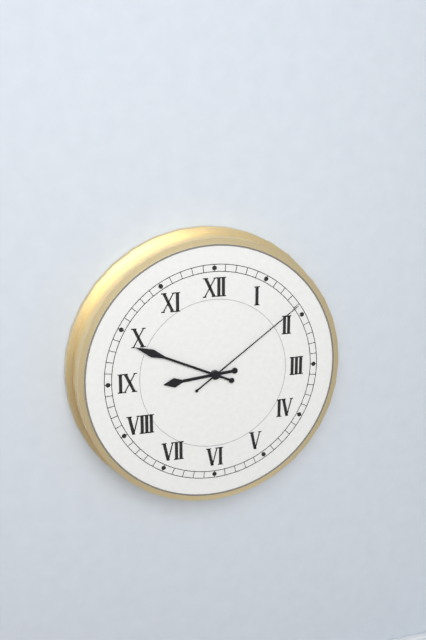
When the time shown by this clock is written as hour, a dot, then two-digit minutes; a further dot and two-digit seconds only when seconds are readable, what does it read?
8.49.09
